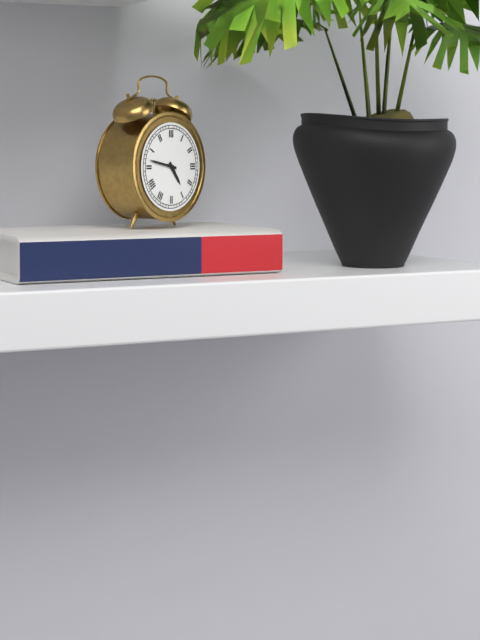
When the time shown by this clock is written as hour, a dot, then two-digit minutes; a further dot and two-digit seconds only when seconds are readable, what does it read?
4.47
